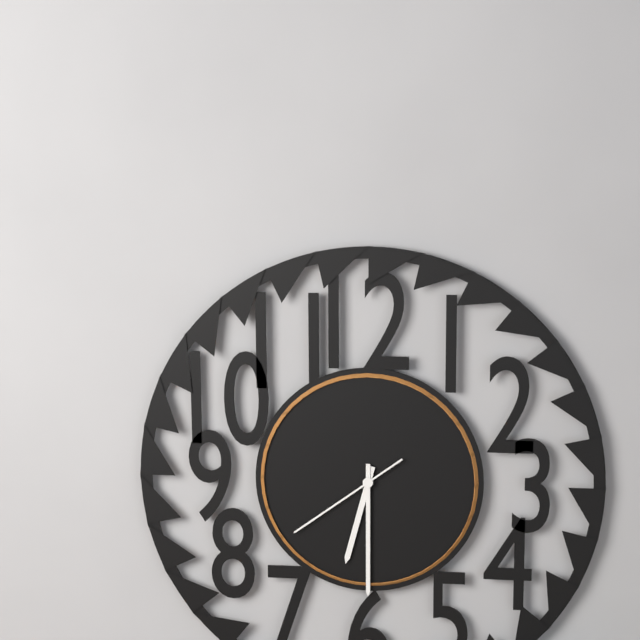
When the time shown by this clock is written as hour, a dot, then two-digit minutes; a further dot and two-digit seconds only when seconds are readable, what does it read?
6.30.39
